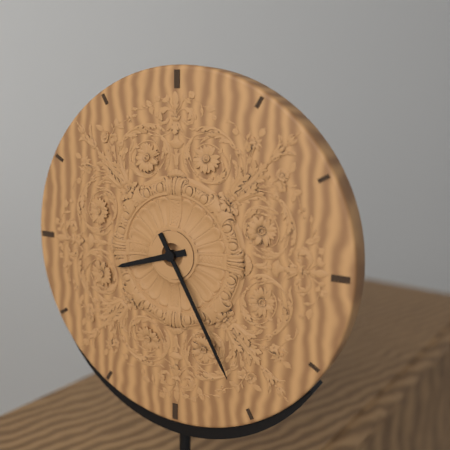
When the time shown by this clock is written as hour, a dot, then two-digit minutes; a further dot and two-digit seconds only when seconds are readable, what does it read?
8.25
